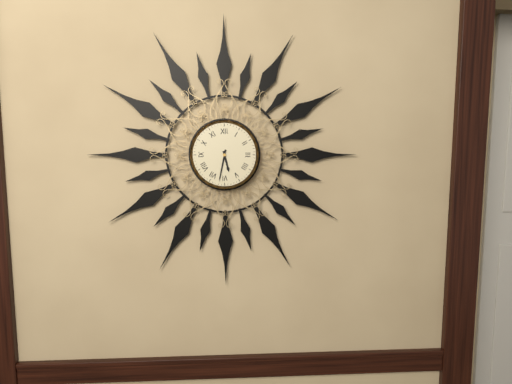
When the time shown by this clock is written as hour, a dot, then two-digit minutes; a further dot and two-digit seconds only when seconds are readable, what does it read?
5.32
